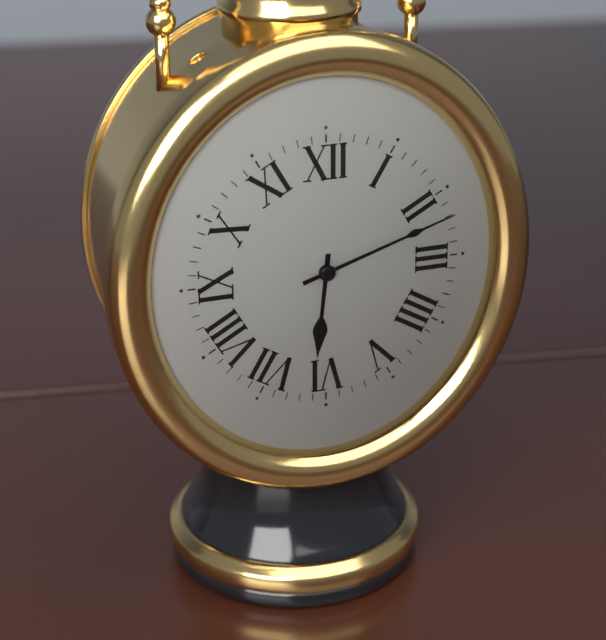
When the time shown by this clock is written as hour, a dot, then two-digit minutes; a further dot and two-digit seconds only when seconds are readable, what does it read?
6.12
